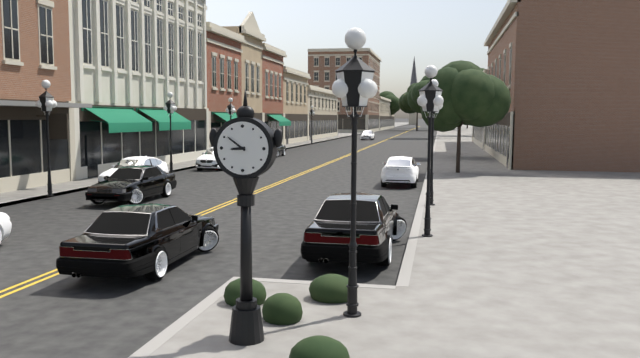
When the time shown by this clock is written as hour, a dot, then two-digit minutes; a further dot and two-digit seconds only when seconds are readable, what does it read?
8.51
